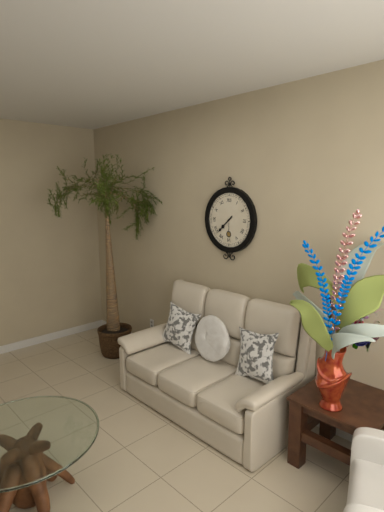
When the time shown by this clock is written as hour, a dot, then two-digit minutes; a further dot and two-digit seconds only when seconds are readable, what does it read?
7.38
